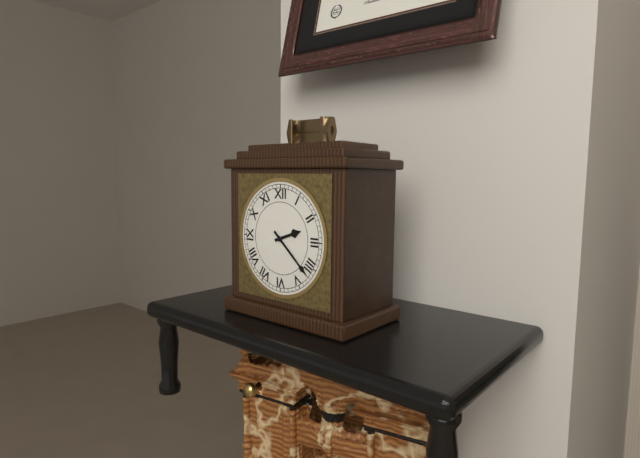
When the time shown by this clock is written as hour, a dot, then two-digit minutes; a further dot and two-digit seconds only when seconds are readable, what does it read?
2.22
